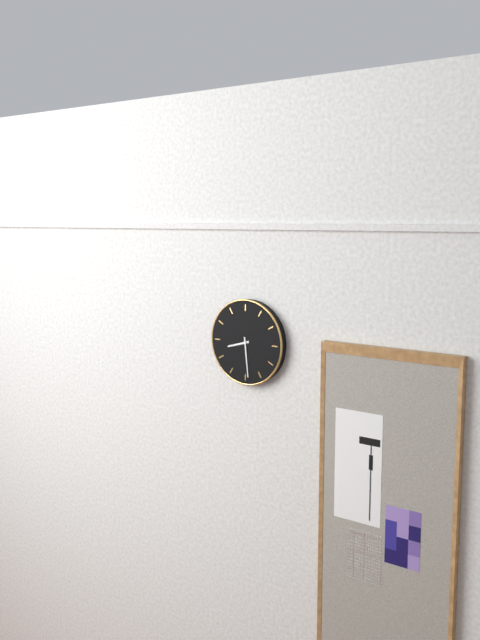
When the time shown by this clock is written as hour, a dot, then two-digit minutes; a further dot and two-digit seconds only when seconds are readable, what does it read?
8.29
